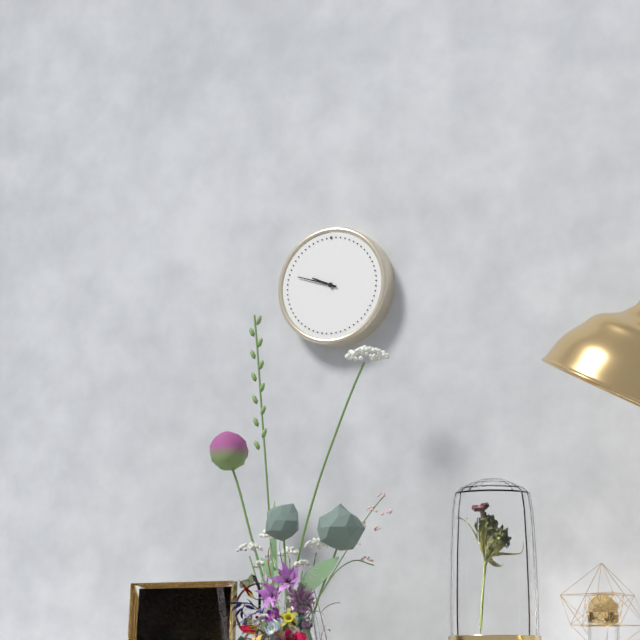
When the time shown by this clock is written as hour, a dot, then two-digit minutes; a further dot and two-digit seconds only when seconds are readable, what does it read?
9.48
